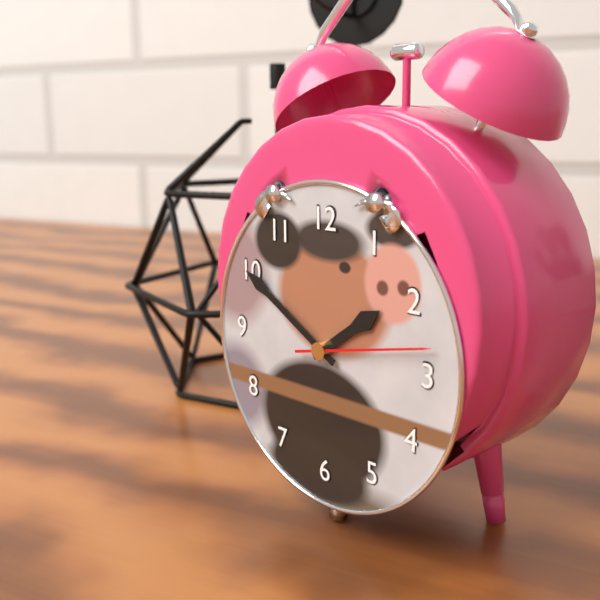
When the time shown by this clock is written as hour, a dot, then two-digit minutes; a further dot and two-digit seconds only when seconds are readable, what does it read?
1.50.13
